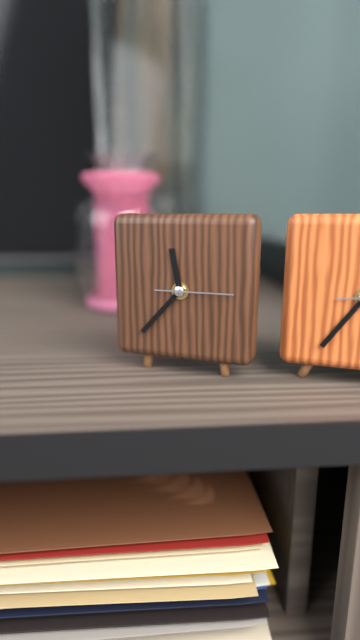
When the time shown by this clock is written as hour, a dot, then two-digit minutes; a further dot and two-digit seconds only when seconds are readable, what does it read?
11.37.15
